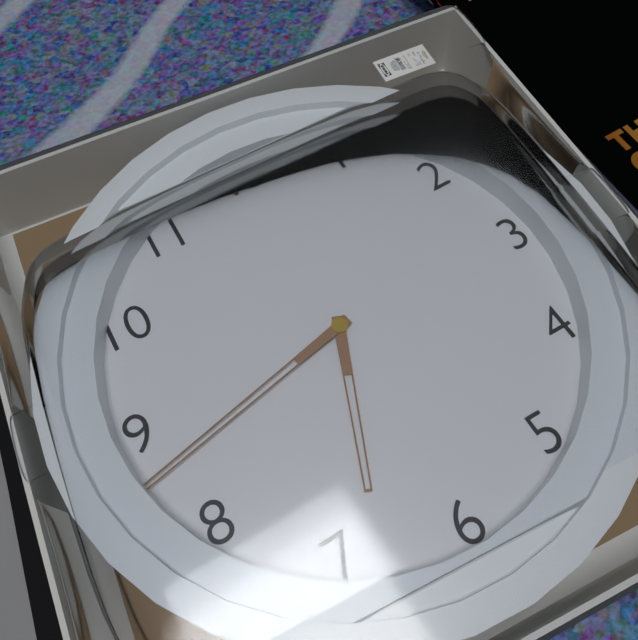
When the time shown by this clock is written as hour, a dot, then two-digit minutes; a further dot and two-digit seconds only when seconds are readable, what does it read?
6.43
